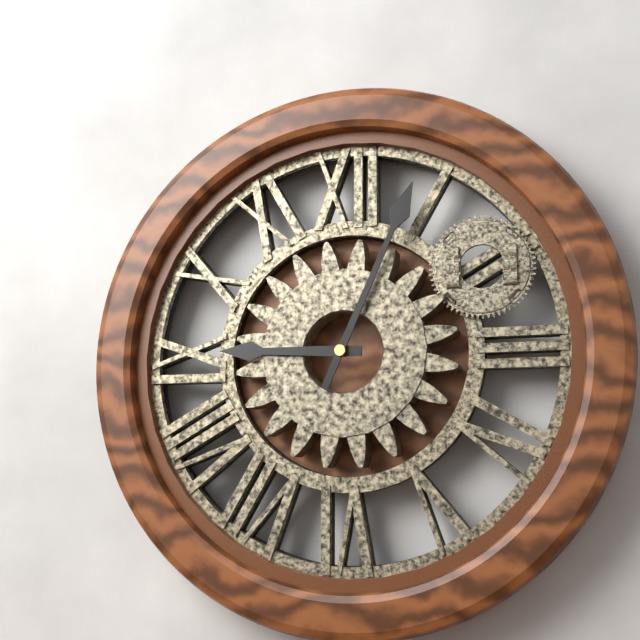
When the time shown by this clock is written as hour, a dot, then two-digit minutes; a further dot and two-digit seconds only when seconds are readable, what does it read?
9.04
